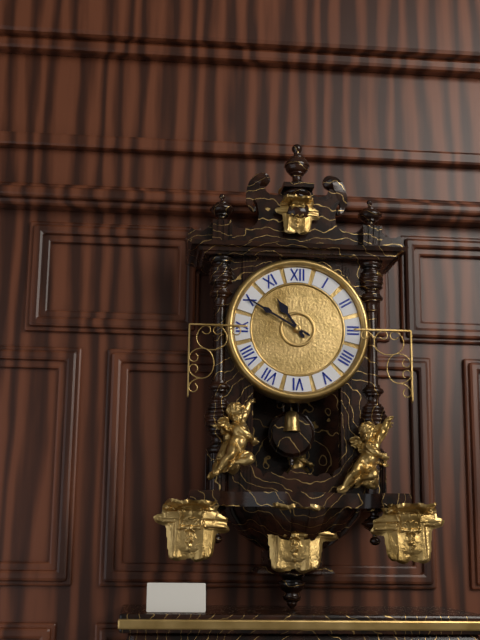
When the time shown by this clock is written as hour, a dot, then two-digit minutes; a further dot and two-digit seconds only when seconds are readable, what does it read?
10.50
